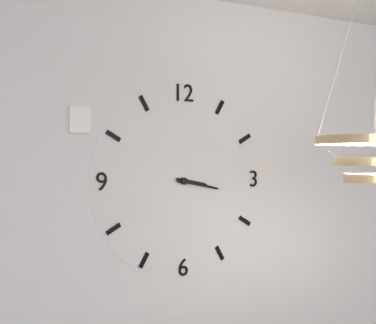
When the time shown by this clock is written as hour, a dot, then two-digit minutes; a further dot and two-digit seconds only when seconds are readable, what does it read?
3.17
